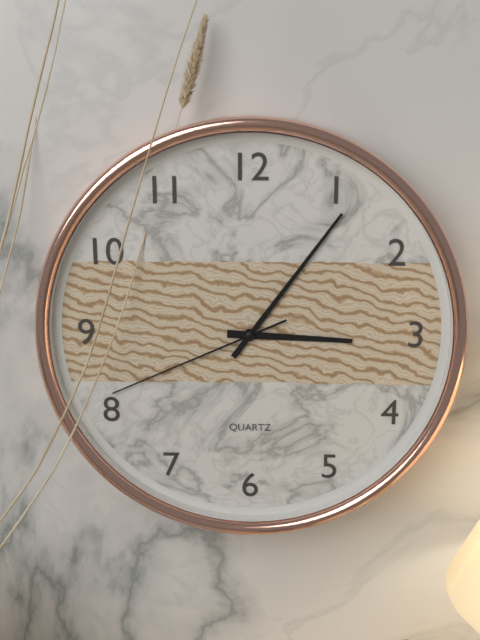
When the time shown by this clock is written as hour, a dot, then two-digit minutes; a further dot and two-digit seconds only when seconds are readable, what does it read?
3.06.41
